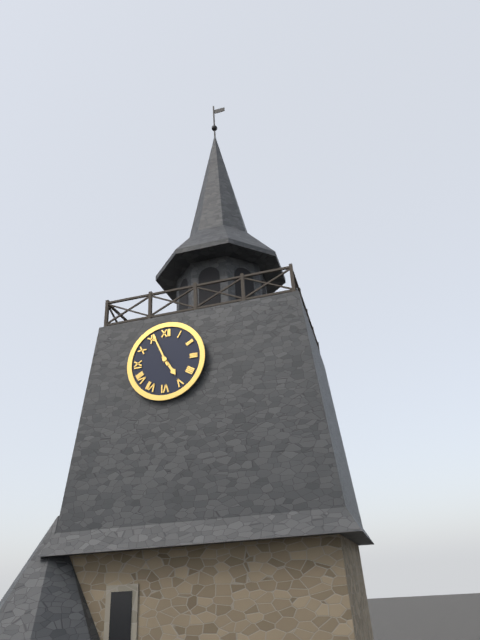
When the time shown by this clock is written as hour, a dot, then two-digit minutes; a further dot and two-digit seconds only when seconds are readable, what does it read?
4.56
